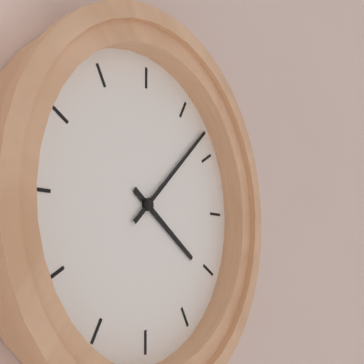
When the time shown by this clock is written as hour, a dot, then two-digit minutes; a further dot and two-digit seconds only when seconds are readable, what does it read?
4.08
